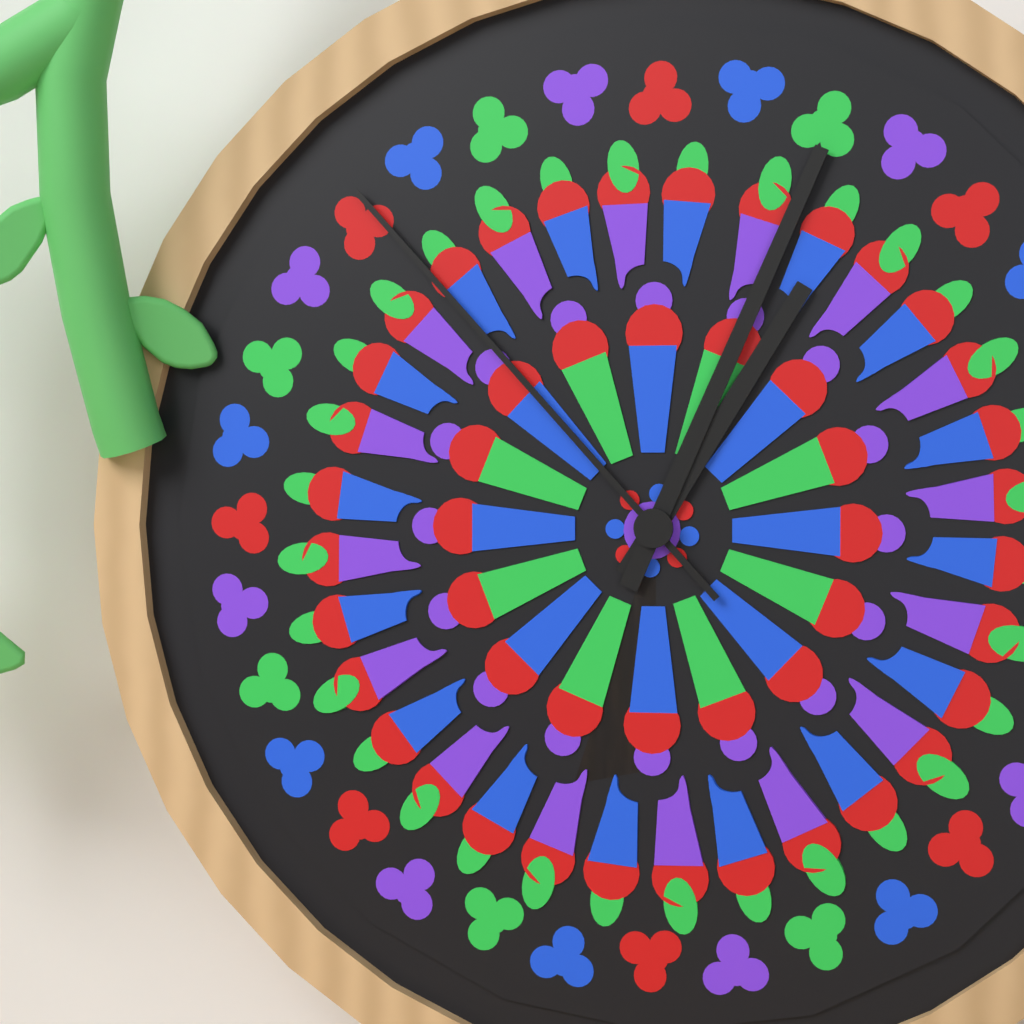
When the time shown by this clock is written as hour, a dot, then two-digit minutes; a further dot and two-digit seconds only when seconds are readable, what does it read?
1.04.53
